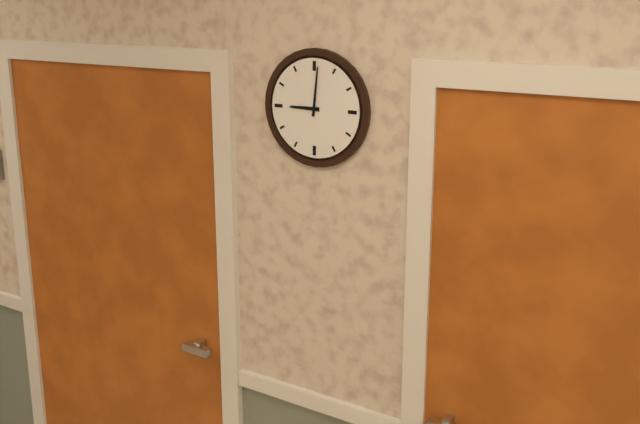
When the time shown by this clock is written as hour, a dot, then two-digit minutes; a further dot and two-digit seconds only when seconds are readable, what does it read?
9.01
